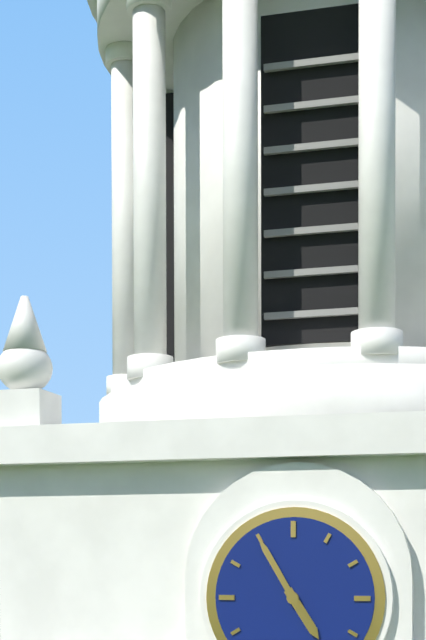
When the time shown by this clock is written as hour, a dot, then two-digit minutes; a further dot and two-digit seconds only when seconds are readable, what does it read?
4.55
